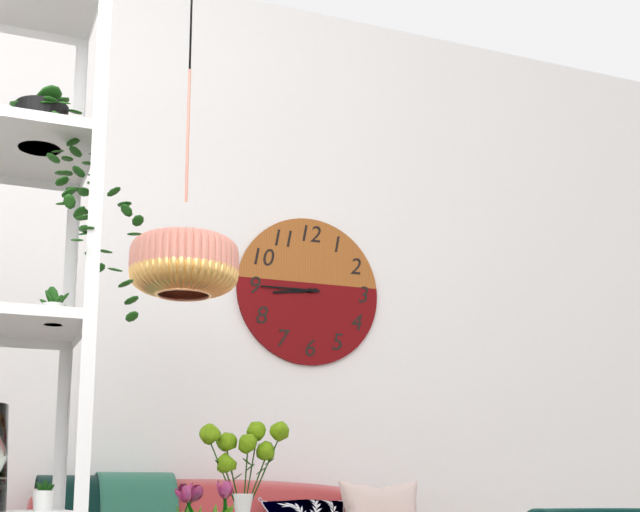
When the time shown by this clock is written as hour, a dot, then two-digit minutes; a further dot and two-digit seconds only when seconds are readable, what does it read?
8.45
